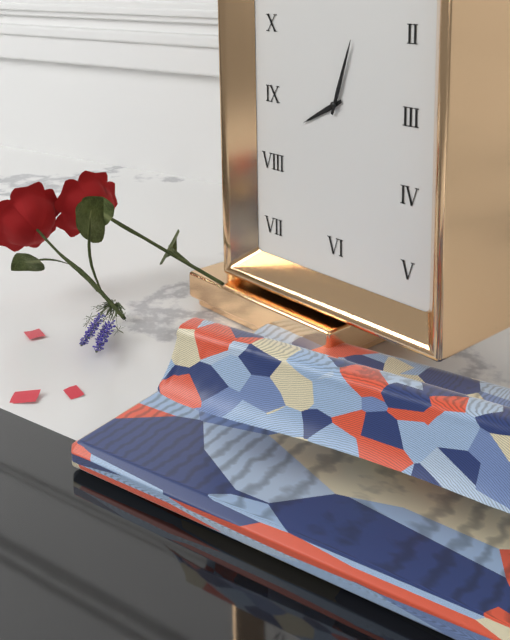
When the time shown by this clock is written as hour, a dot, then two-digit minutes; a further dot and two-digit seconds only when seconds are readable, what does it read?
8.03
